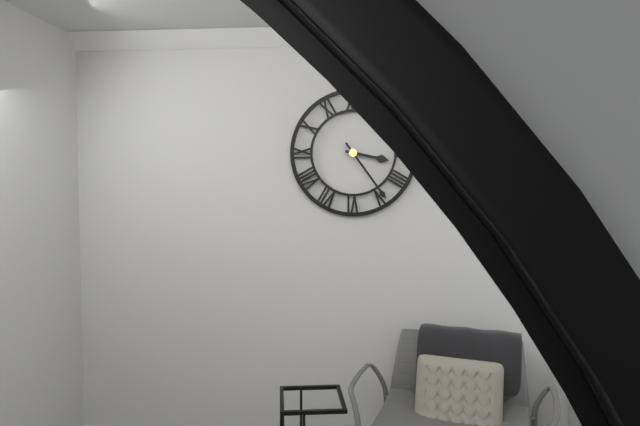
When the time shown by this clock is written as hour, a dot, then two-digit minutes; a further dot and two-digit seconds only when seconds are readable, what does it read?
3.24
